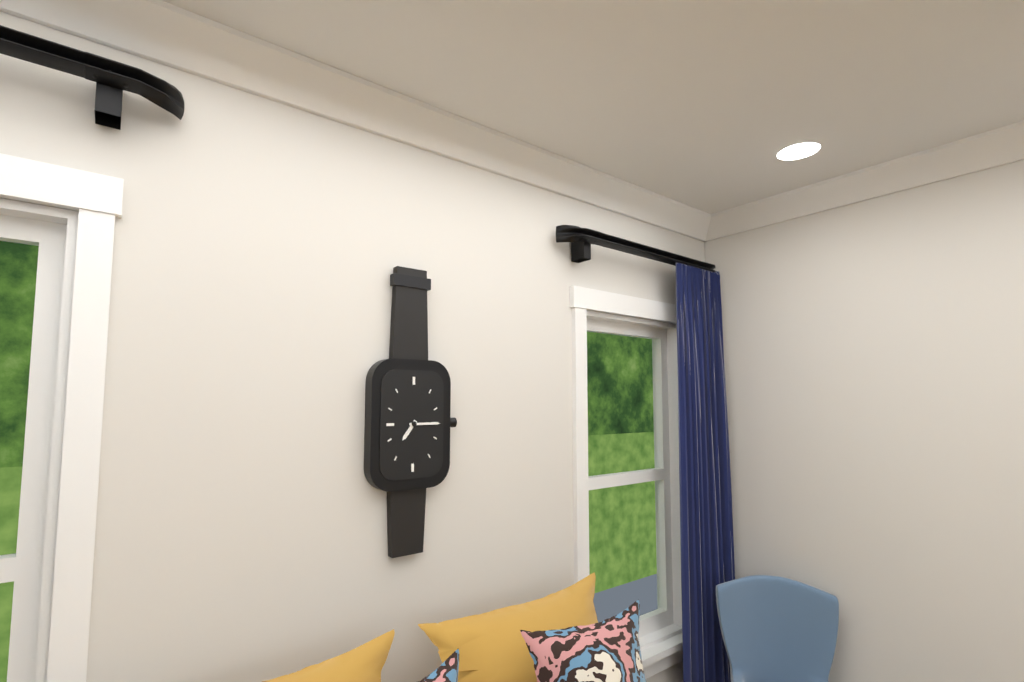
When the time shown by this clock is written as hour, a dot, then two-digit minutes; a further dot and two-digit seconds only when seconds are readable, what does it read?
7.15
